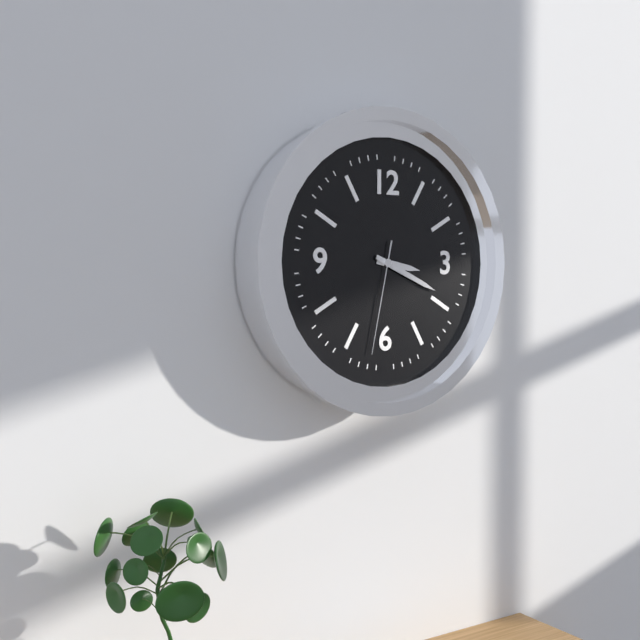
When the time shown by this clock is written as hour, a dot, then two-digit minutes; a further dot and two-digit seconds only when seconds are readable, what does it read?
3.19.32
